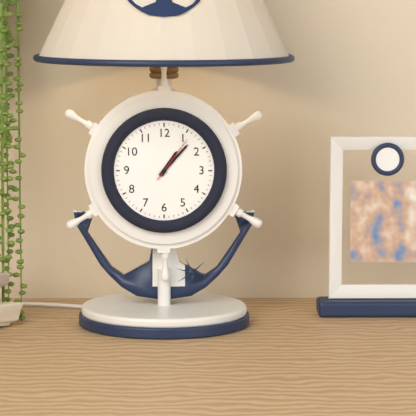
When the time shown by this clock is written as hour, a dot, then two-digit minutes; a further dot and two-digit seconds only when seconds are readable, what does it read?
1.07.06
